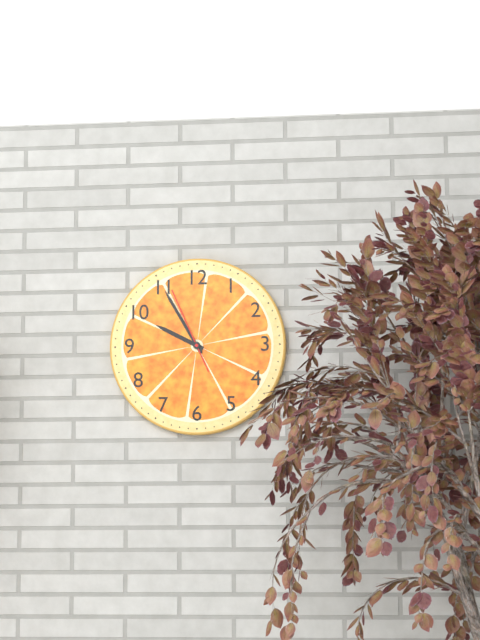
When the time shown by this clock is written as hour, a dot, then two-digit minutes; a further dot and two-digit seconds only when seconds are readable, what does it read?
9.55.56
